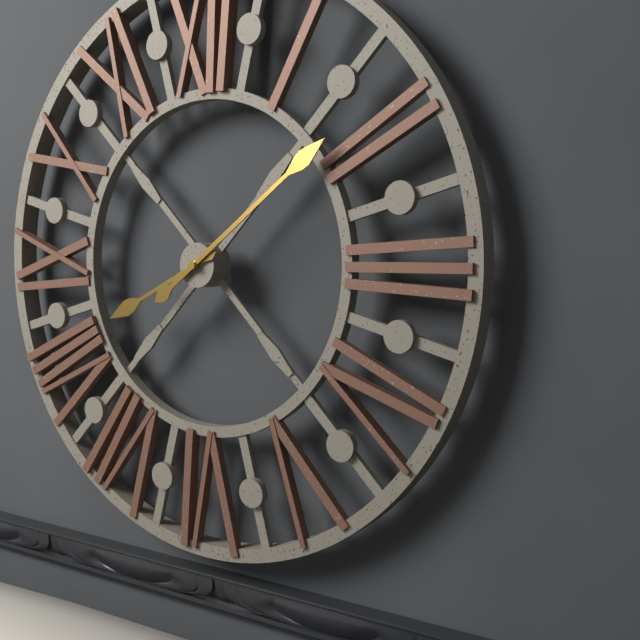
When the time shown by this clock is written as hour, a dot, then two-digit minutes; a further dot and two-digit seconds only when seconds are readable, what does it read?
8.09
